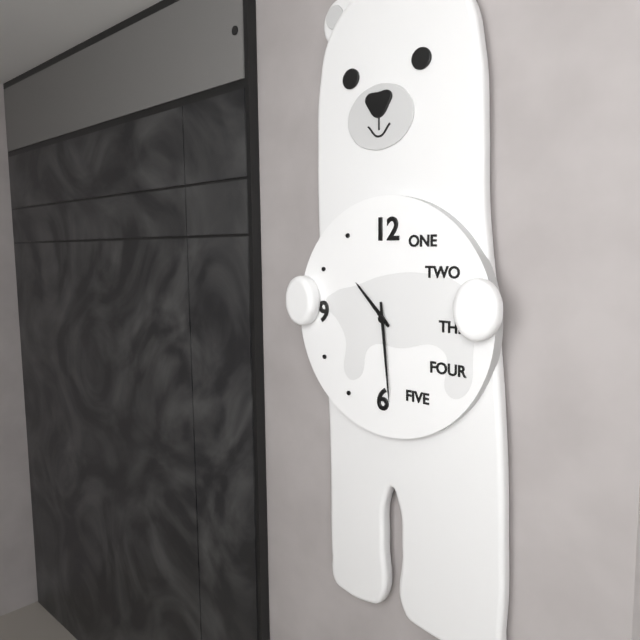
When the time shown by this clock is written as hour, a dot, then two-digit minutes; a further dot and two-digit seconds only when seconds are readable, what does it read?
10.29
